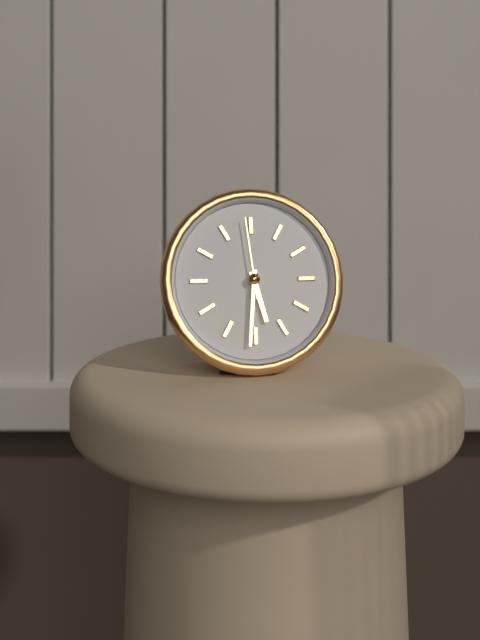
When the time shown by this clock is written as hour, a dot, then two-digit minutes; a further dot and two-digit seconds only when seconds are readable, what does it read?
5.31.59
